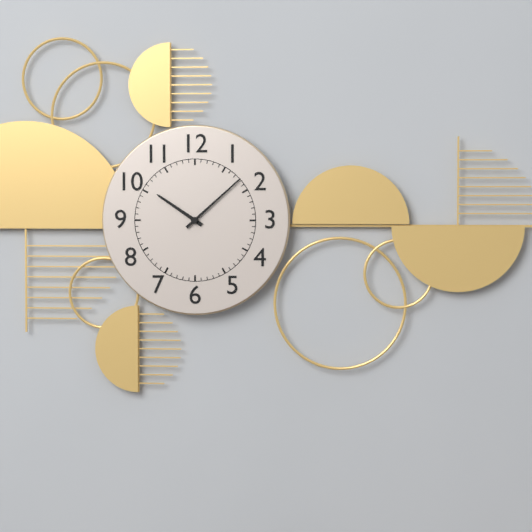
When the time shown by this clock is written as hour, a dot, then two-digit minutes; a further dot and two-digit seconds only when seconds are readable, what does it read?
10.08
